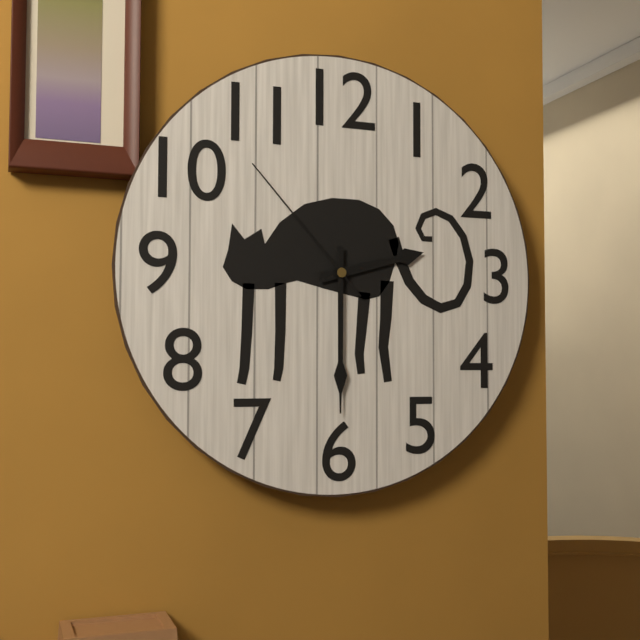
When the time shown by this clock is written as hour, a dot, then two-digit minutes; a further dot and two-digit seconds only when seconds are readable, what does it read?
2.30.53
